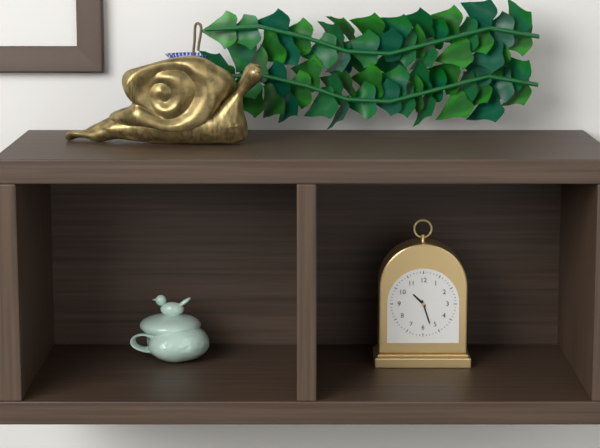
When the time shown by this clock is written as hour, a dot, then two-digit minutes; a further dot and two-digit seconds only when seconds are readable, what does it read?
10.27
